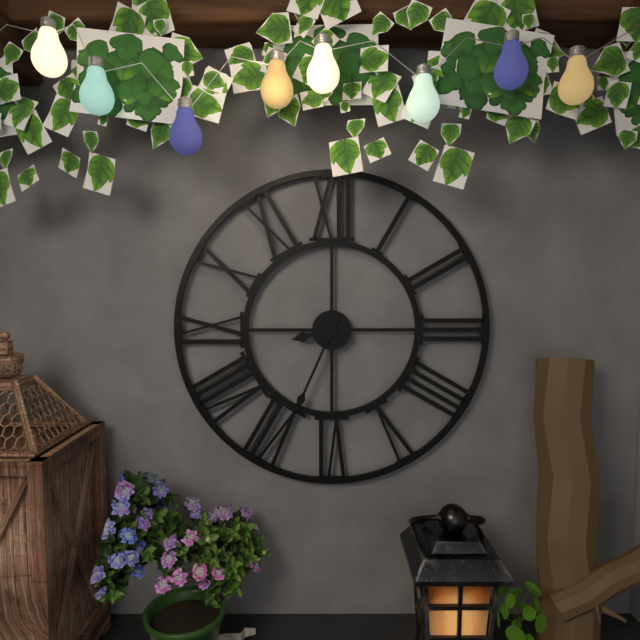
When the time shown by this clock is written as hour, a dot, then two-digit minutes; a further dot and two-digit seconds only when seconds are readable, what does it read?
8.34
